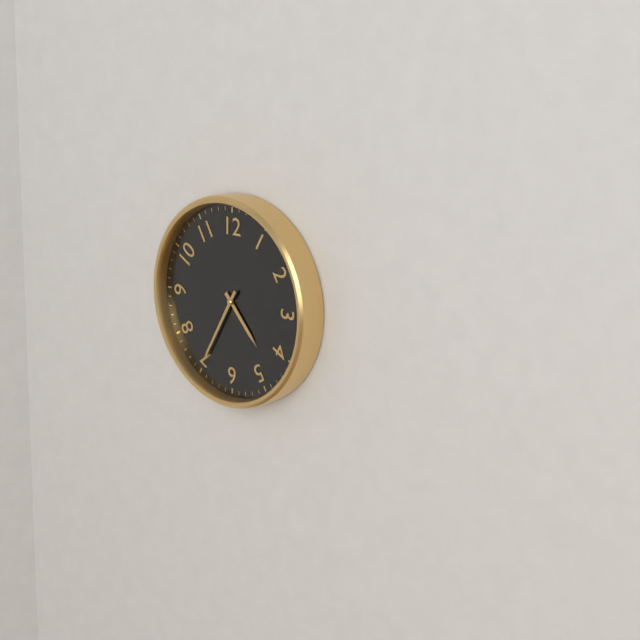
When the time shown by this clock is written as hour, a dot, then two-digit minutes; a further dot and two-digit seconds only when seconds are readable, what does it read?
4.35
